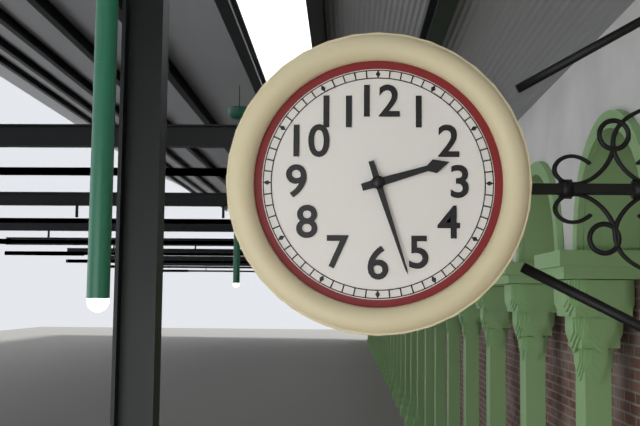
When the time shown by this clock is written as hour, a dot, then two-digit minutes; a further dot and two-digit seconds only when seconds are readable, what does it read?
2.27
